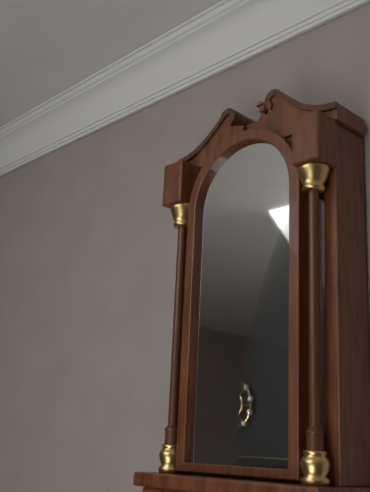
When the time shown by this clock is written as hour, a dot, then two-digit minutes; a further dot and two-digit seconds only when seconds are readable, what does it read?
1.16
